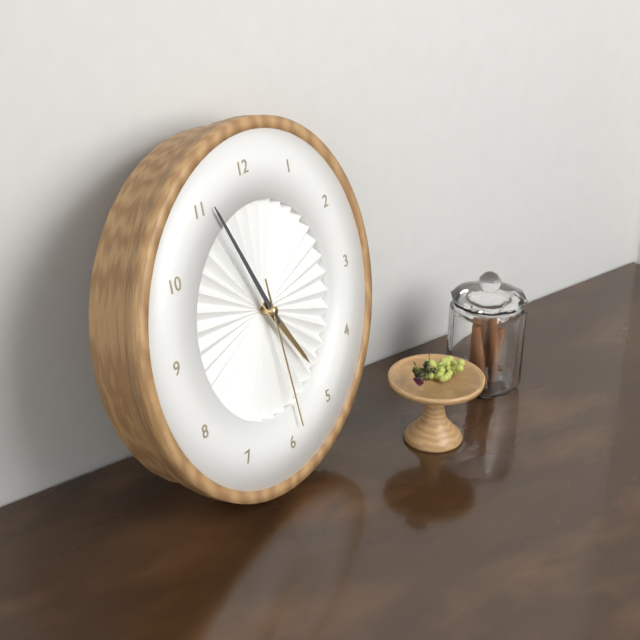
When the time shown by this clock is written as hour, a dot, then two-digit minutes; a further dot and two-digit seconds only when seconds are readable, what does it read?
4.56.29
